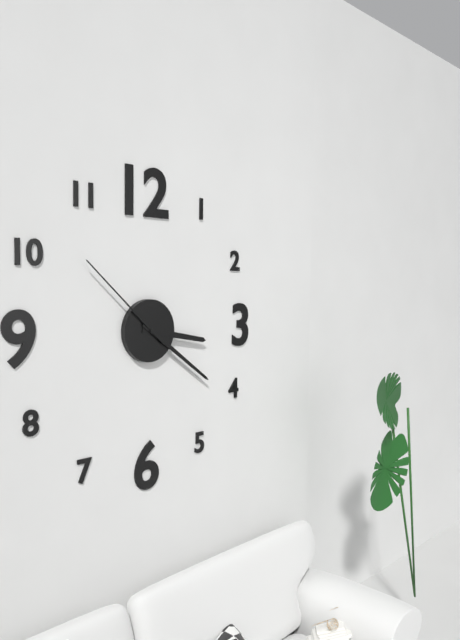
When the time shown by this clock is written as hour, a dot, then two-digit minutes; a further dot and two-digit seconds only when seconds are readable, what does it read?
3.21.52
